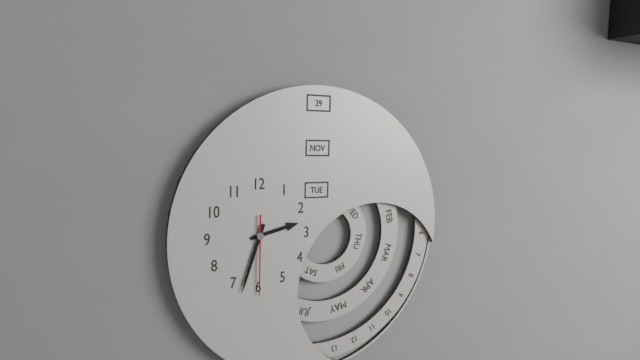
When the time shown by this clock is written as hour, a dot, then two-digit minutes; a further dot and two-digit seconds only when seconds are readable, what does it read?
2.33.30
